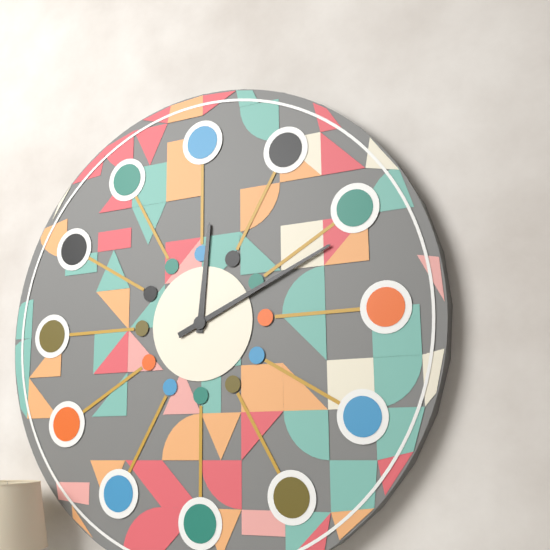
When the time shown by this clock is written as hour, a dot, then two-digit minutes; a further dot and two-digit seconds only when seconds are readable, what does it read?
12.11
